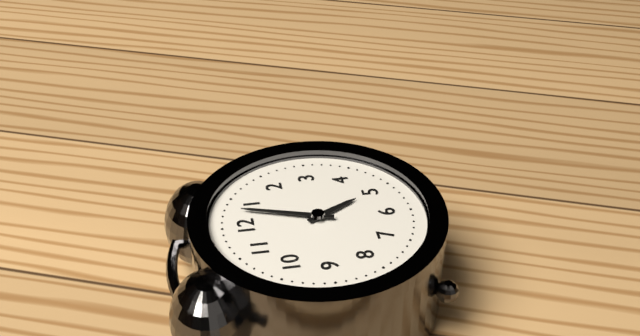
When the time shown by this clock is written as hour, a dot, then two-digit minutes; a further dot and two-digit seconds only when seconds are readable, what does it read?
5.03
